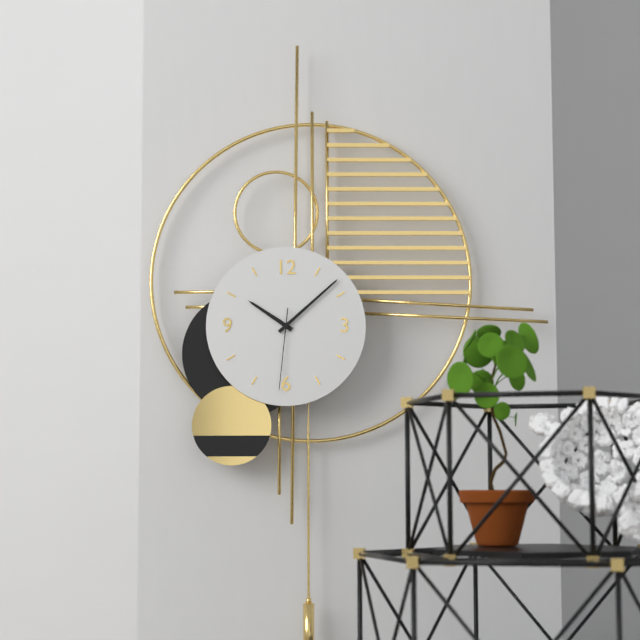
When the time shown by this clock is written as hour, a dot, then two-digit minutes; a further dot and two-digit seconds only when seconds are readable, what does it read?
10.08.31
